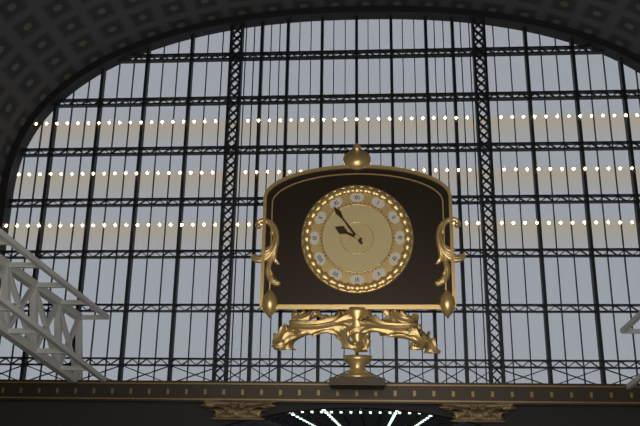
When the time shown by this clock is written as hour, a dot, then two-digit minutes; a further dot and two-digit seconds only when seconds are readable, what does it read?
9.54
